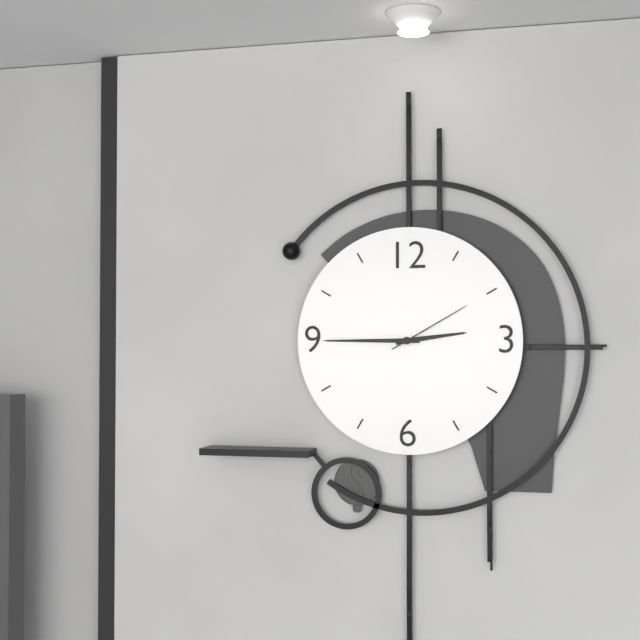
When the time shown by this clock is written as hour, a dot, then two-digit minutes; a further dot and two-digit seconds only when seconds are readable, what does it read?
2.45.10
